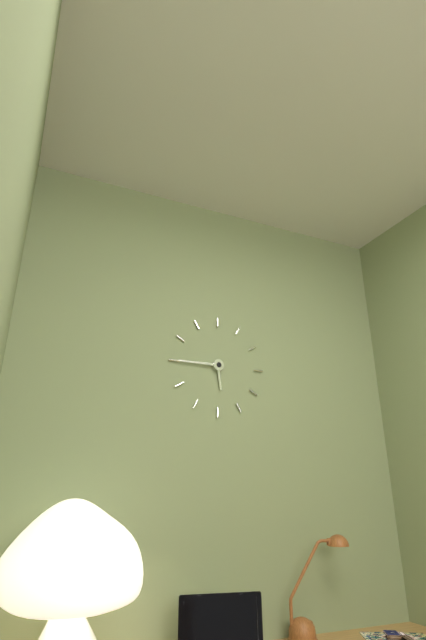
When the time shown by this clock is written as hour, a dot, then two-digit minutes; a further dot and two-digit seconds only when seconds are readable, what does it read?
5.45
